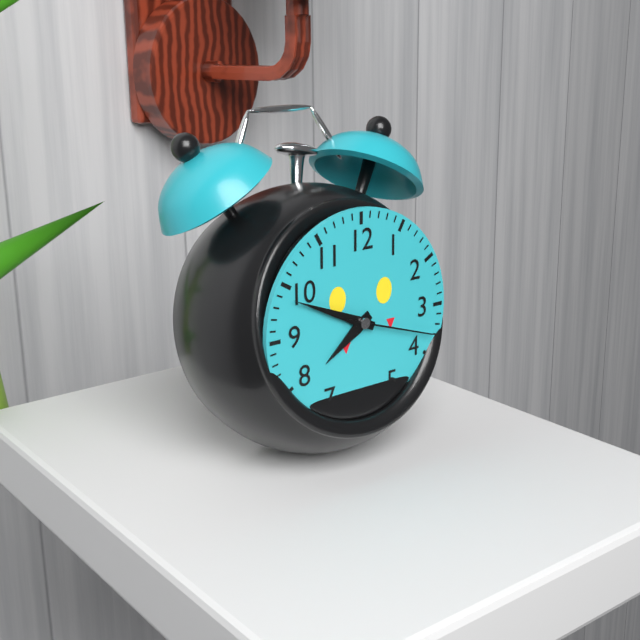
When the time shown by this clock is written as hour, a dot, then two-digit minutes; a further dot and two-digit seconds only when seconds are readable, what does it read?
7.49.18
